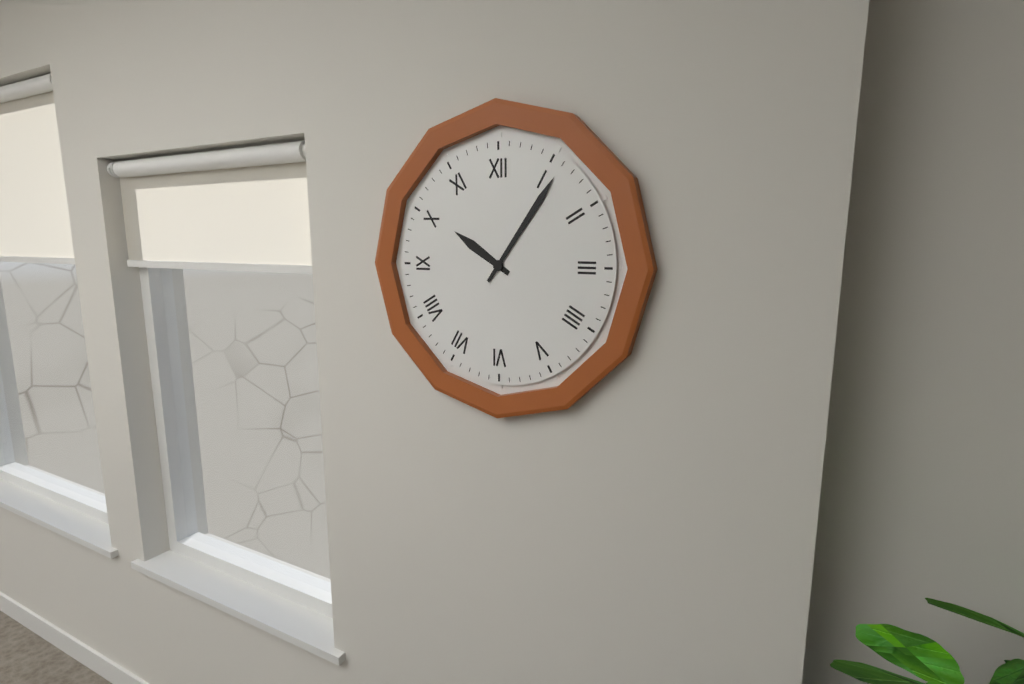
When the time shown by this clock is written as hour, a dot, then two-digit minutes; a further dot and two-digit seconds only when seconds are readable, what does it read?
10.06
